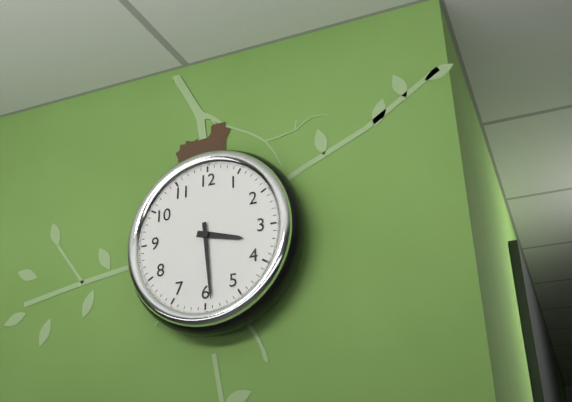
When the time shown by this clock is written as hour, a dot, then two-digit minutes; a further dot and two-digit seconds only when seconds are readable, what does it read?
3.29
